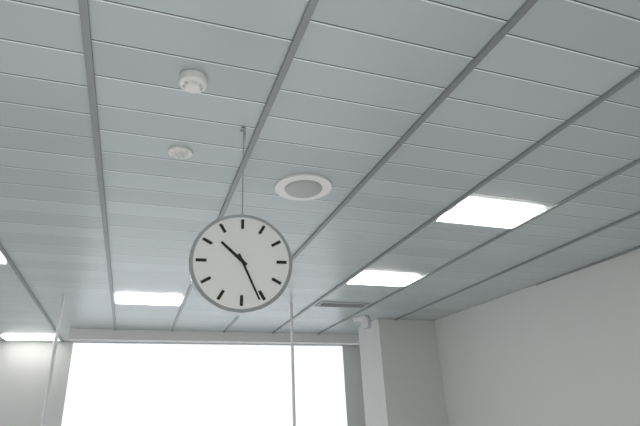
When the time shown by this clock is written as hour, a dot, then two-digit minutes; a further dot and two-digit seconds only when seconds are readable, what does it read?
10.26
